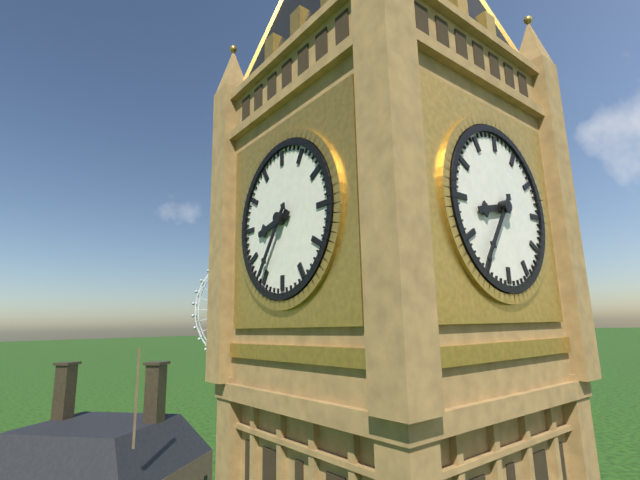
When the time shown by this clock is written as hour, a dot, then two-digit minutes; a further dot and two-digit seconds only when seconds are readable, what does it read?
8.36
